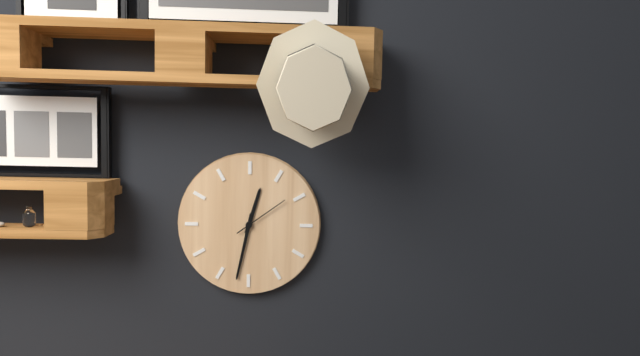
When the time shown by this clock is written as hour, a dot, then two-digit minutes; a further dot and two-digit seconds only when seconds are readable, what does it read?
12.32.09
